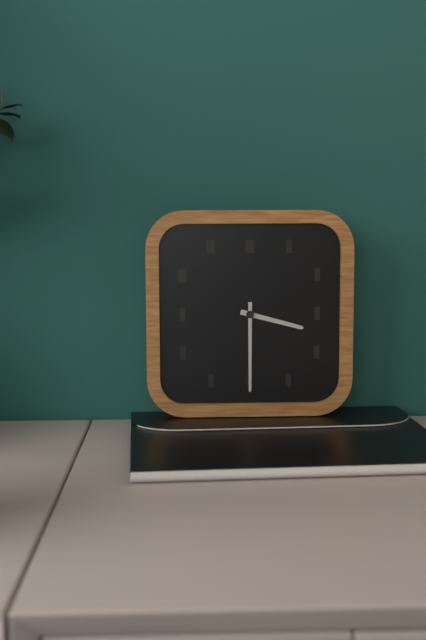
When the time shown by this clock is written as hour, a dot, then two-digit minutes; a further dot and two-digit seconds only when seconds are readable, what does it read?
3.30
